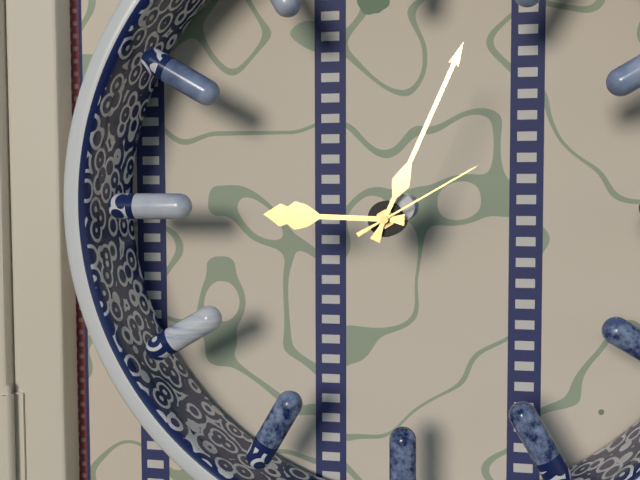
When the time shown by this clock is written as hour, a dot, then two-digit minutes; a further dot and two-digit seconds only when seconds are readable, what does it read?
9.04.10
